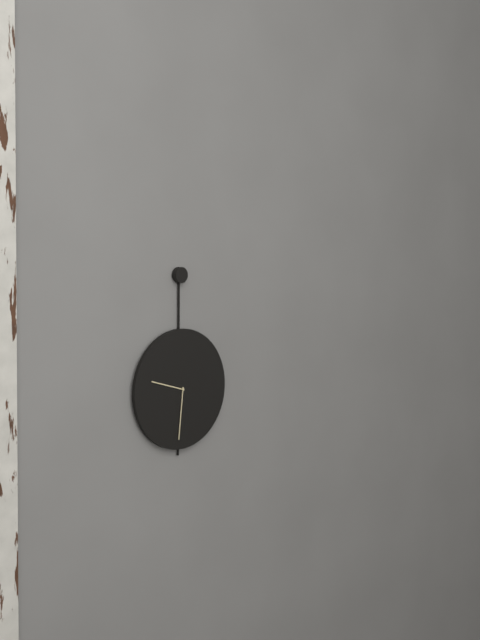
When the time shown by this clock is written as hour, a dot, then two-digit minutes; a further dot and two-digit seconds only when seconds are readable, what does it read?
9.31
